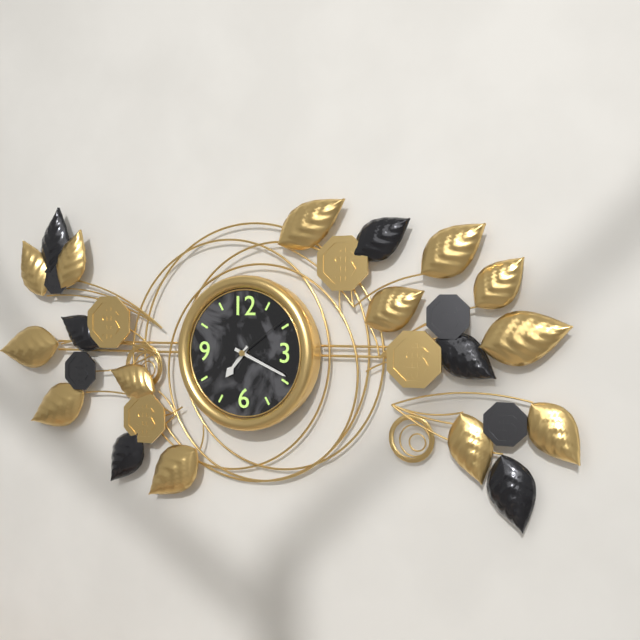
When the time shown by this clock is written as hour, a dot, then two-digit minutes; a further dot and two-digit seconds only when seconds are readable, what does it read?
7.19.09
